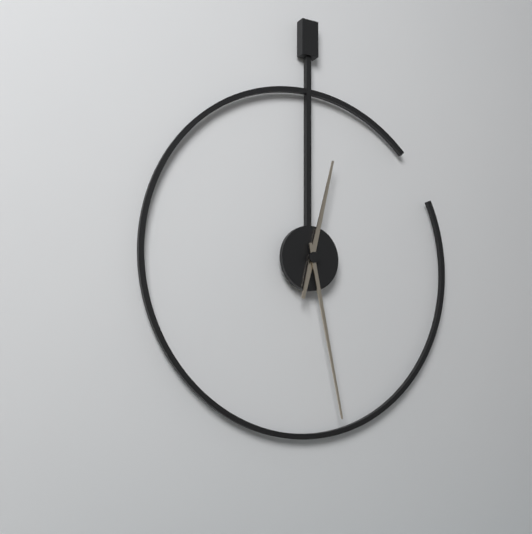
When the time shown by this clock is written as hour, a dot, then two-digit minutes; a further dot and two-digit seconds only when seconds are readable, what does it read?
12.28
